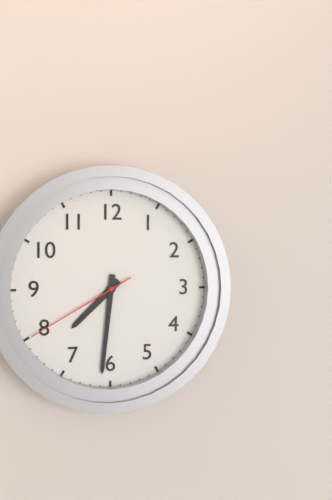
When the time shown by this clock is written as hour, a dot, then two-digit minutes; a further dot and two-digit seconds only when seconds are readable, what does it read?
7.31.40
